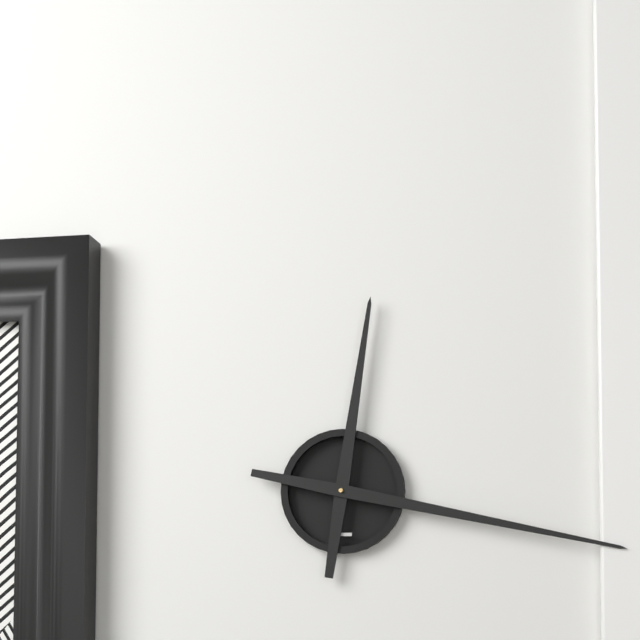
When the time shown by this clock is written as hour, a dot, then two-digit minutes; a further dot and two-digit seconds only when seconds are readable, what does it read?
12.17
